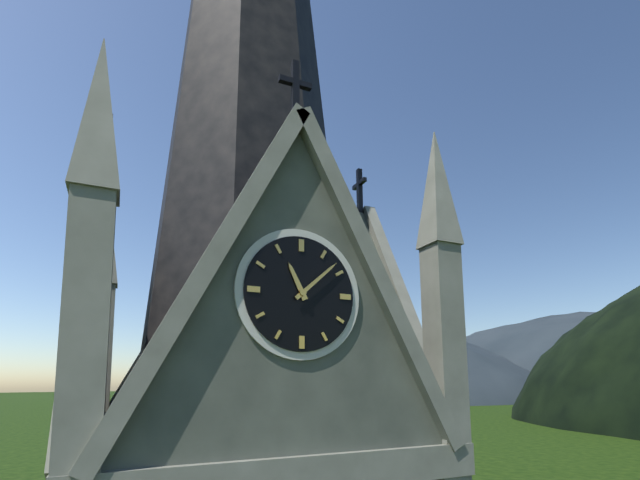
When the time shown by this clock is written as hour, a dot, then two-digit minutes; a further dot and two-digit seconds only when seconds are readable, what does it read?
11.08
